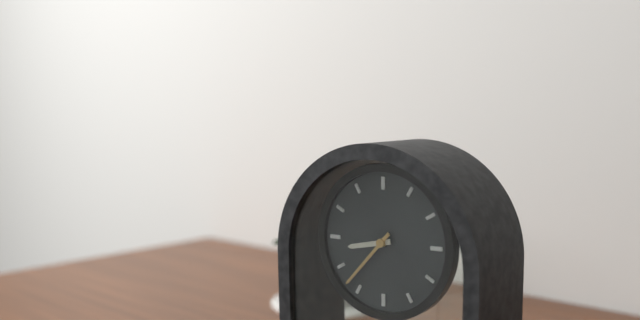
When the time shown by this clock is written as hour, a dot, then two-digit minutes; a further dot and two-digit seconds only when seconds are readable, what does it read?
8.37
